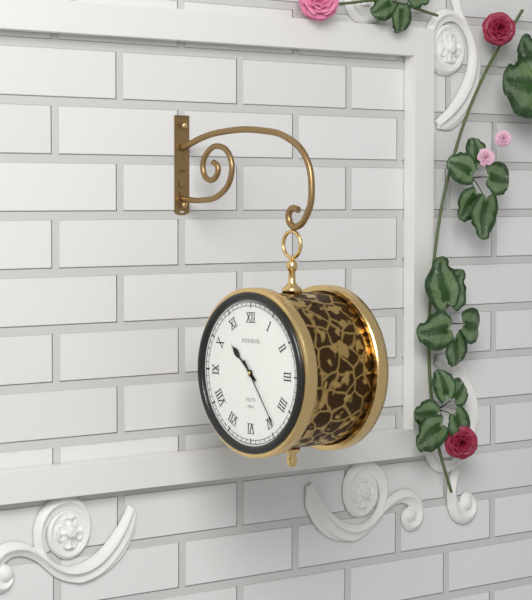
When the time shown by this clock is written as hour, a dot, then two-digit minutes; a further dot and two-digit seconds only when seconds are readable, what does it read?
10.24
